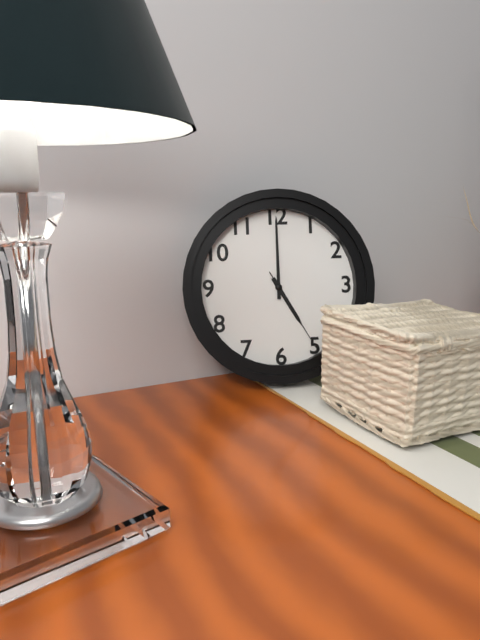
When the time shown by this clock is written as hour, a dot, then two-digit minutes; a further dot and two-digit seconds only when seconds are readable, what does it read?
5.00.25
